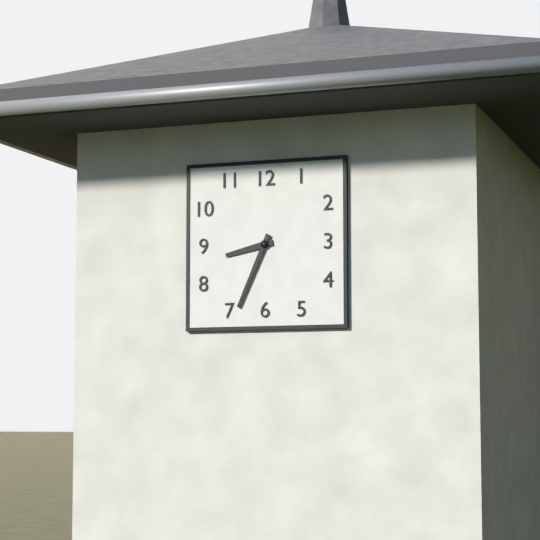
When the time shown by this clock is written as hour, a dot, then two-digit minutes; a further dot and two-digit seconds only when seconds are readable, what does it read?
8.34
